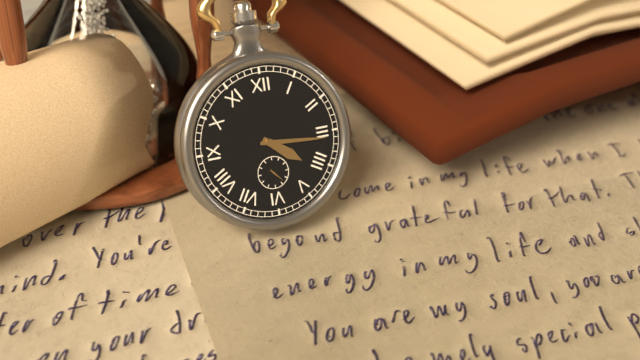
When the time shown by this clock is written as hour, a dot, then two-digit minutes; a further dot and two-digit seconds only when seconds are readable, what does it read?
4.16
